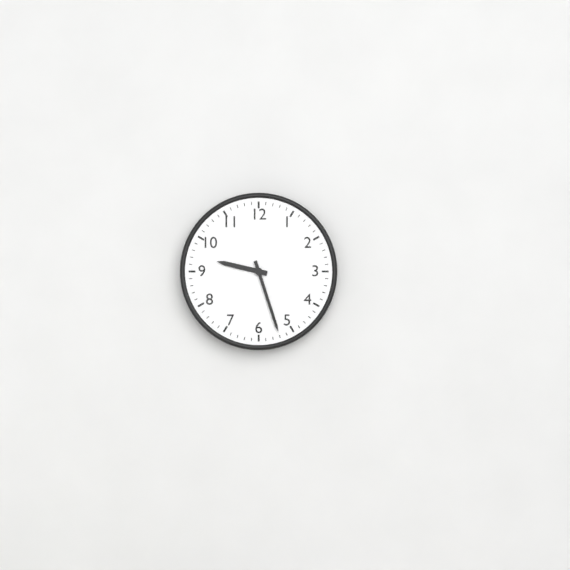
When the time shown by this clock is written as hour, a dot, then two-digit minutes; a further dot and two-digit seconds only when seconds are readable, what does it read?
9.27
